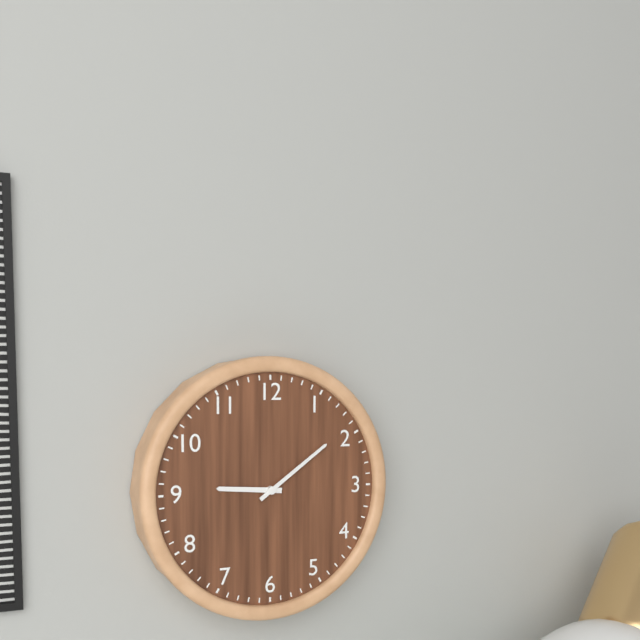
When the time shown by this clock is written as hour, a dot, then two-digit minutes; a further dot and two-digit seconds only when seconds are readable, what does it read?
9.09
